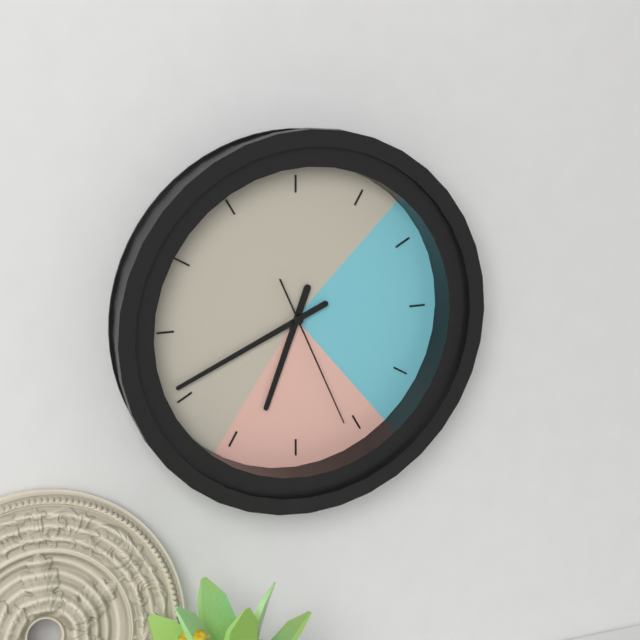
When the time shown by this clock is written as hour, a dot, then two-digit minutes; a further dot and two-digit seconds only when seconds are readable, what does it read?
6.41.26
